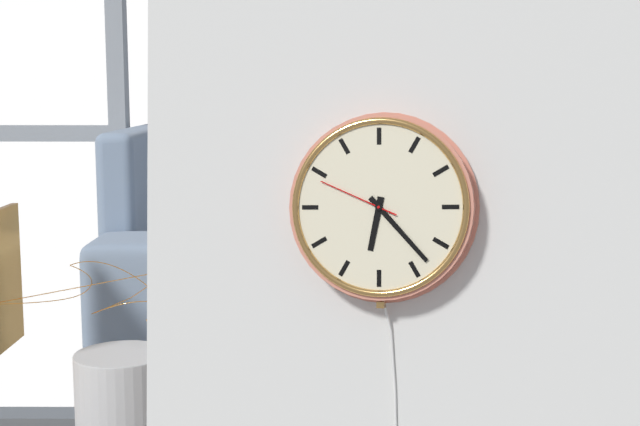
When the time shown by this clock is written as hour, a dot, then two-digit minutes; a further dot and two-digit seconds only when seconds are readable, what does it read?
6.23.49
